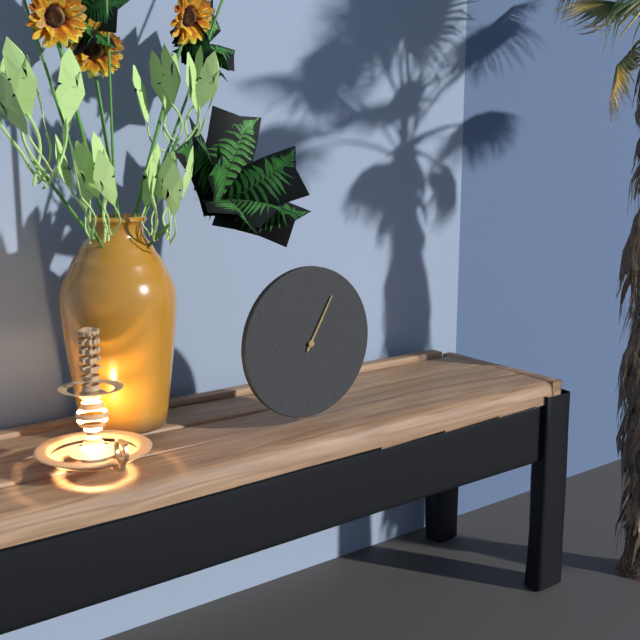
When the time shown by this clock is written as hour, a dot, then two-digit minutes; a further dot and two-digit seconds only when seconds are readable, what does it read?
1.05
